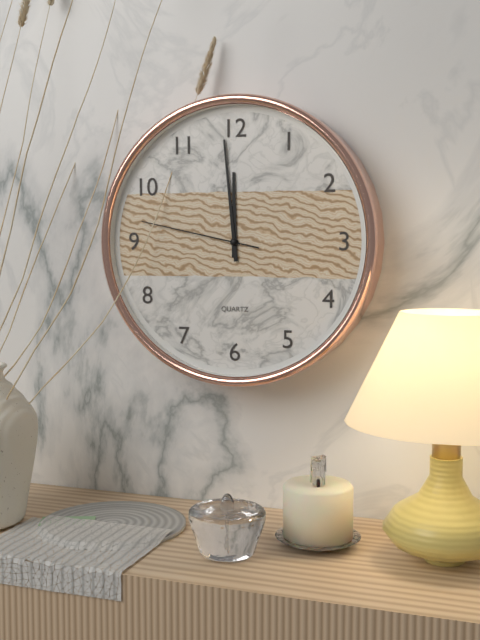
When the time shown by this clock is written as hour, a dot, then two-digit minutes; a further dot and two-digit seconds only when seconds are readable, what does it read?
11.59.47
